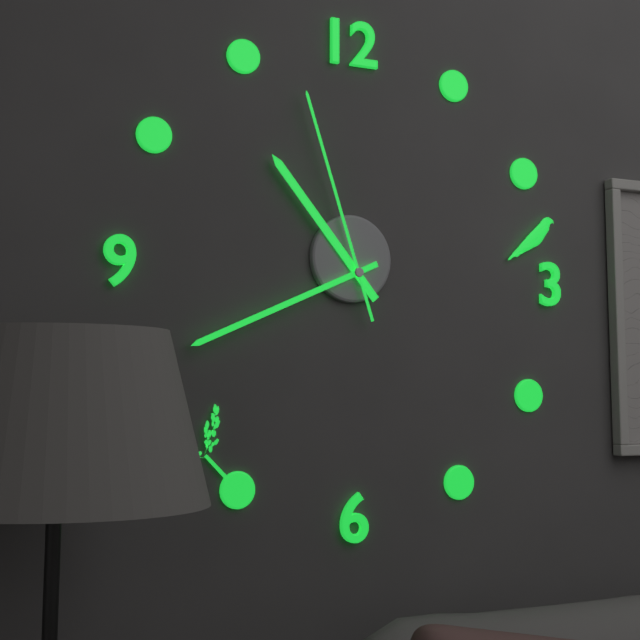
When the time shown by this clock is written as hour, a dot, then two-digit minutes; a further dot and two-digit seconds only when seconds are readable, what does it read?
10.41.57
